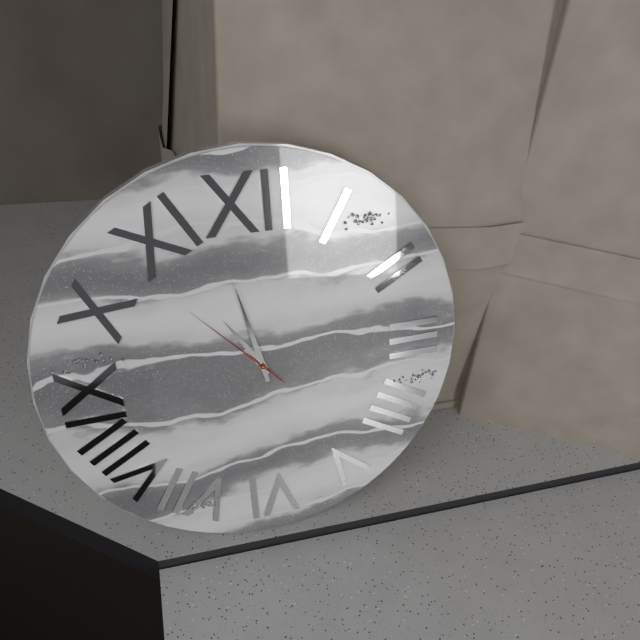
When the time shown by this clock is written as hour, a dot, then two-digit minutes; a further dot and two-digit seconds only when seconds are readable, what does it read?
10.58.53
